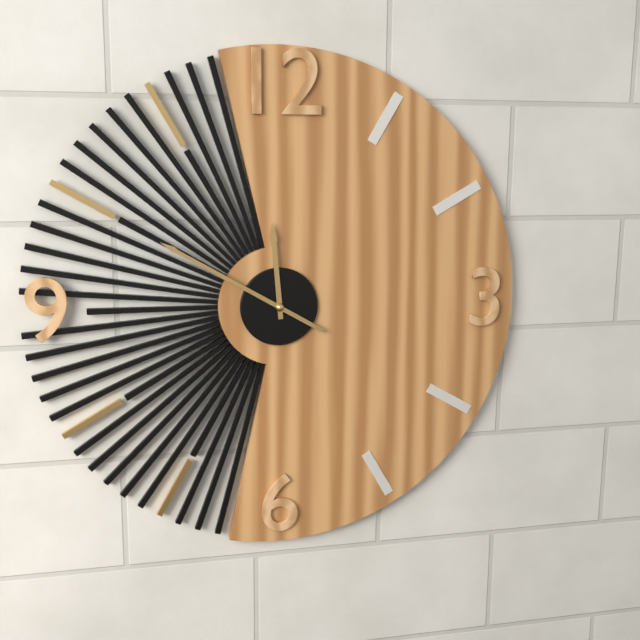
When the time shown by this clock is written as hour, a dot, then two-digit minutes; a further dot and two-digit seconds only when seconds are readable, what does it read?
11.50
